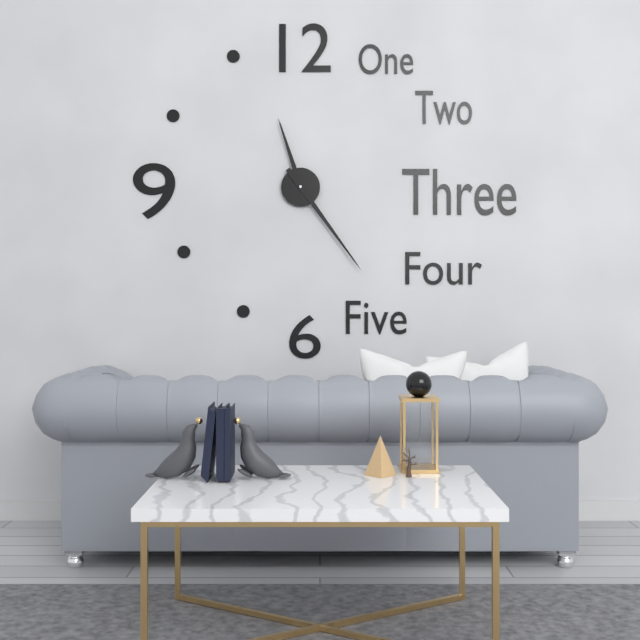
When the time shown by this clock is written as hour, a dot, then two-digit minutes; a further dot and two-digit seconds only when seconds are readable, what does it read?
11.24
